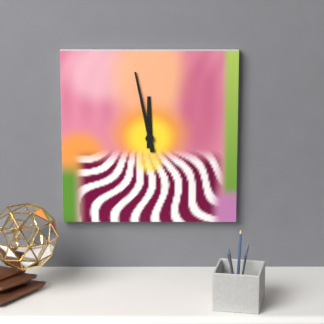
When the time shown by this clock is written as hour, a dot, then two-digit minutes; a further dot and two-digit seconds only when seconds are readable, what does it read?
11.58
